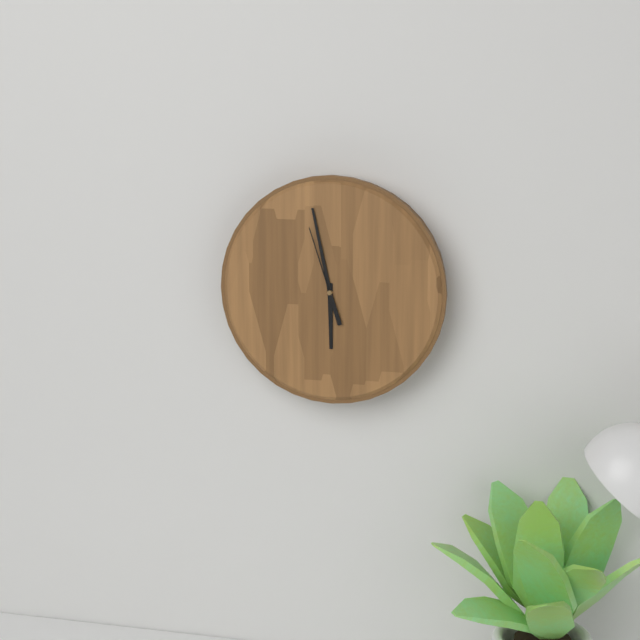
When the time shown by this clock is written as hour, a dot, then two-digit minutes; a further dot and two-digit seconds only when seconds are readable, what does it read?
5.58.57
